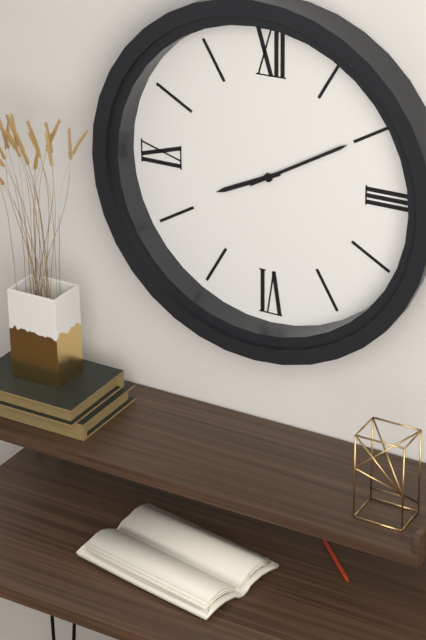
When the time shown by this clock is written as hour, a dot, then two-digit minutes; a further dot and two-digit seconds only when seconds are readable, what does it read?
8.10
